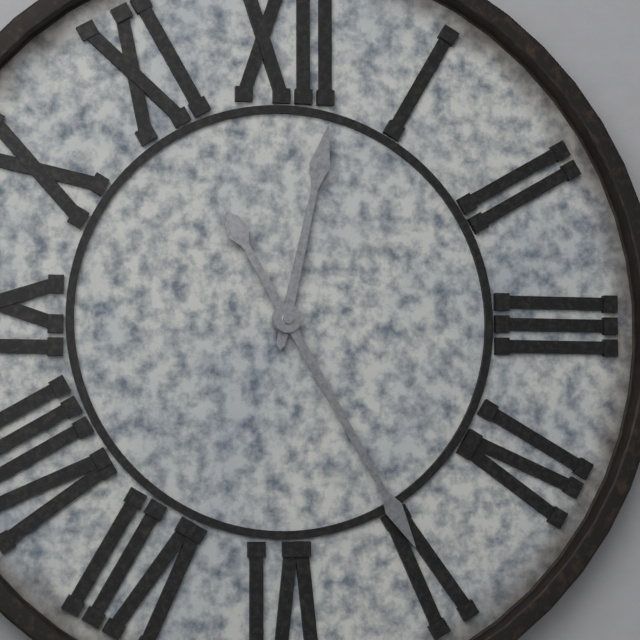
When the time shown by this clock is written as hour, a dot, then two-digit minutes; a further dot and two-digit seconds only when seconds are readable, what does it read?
12.25
